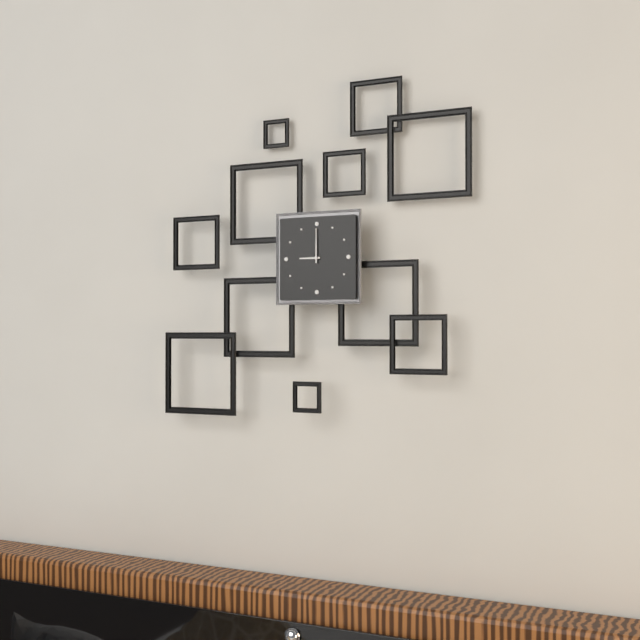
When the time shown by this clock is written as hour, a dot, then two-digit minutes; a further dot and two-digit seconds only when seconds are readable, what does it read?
9.00
